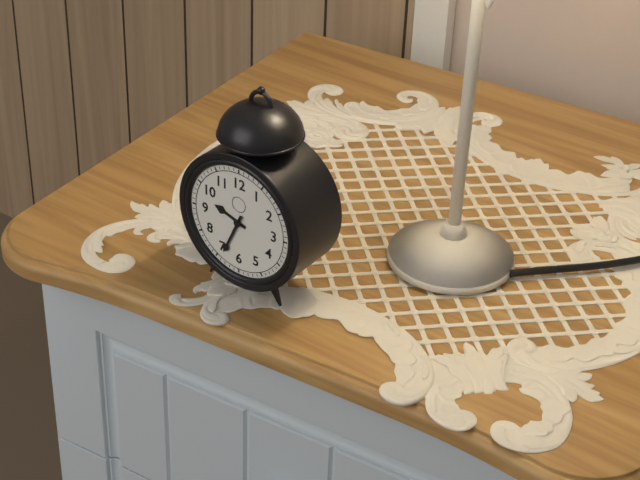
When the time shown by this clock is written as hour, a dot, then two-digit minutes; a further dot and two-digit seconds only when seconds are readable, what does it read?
9.34
